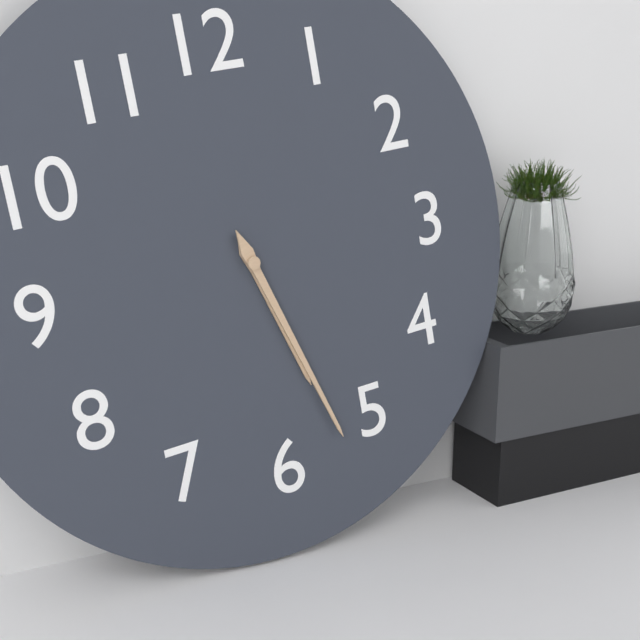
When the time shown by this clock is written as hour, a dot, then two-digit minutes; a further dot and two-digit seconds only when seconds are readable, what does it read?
5.27
